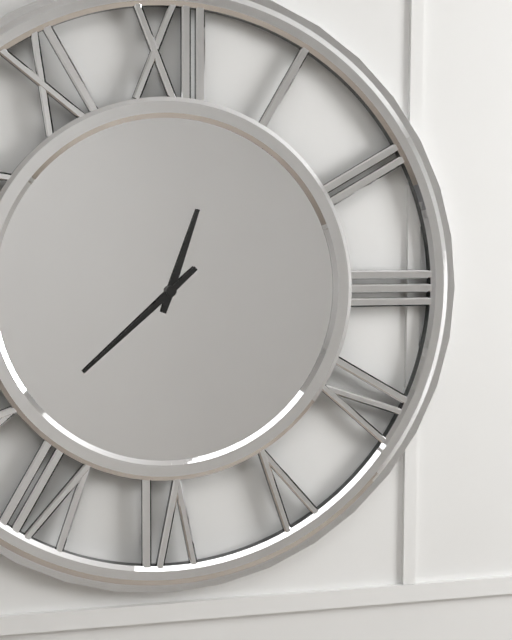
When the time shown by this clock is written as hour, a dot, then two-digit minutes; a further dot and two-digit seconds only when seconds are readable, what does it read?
12.38
